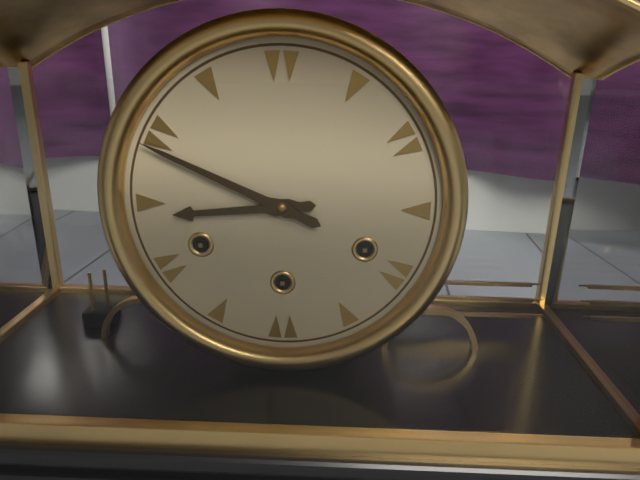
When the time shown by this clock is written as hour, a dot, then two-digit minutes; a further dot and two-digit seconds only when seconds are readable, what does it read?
8.49
